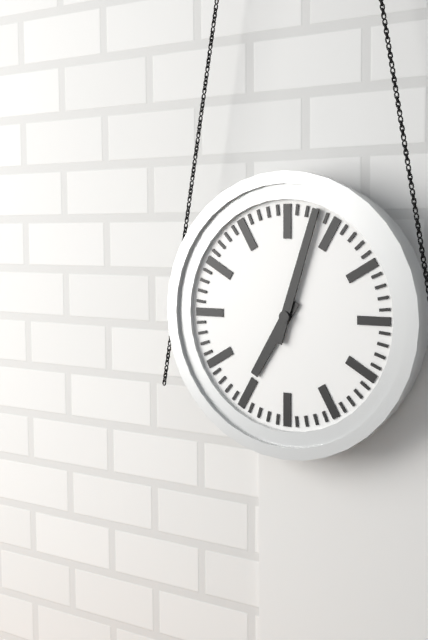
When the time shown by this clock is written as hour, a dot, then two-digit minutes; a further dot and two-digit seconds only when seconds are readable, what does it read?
7.03
